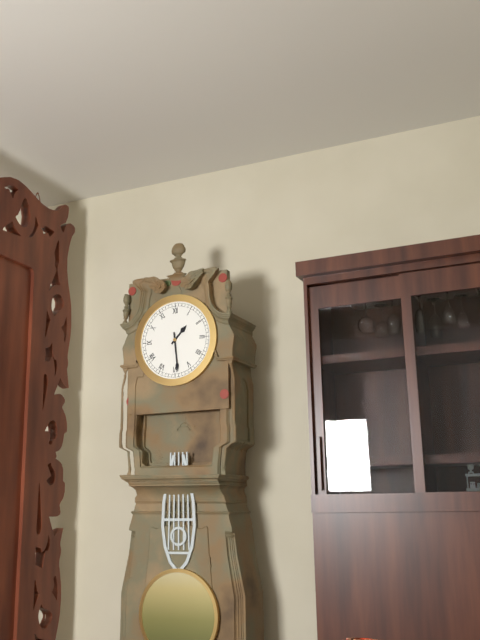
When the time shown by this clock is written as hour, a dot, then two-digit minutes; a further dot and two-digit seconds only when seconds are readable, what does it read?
1.29
